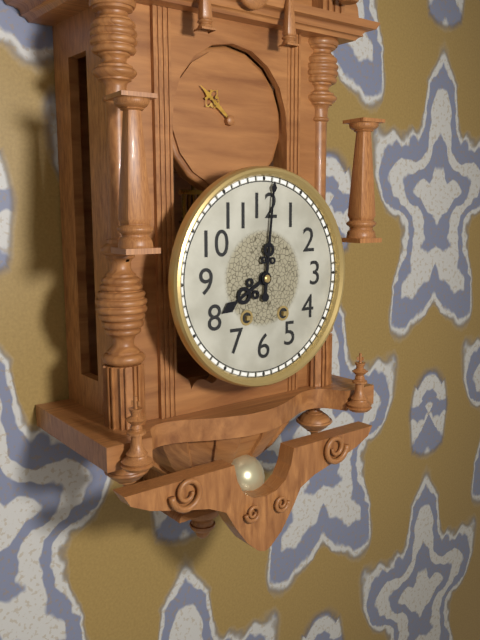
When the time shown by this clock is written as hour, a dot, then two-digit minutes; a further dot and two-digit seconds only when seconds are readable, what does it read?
8.01
